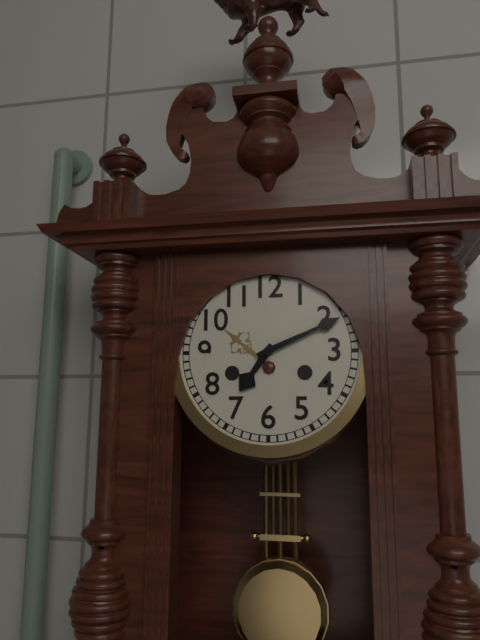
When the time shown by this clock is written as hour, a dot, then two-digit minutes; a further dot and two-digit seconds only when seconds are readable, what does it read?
7.11
